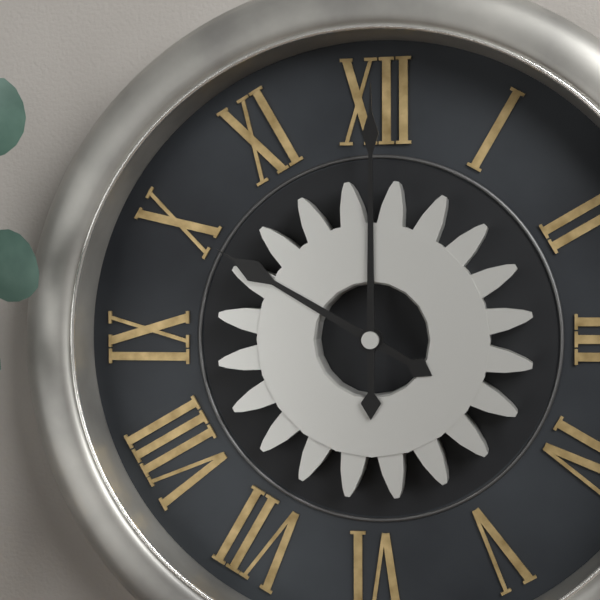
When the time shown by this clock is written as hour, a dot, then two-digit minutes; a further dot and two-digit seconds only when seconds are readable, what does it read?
10.00
